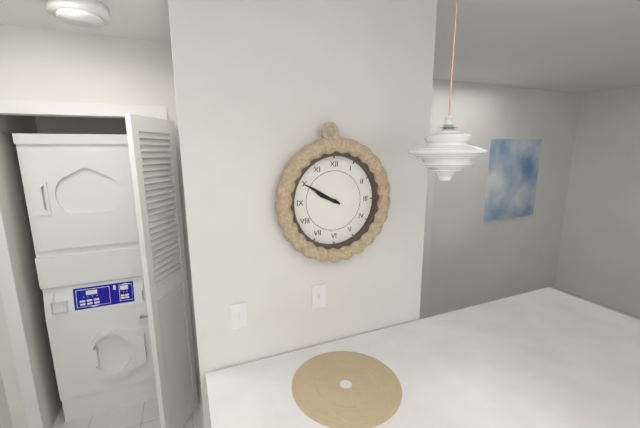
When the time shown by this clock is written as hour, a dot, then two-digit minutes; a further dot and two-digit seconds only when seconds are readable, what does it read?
9.50
